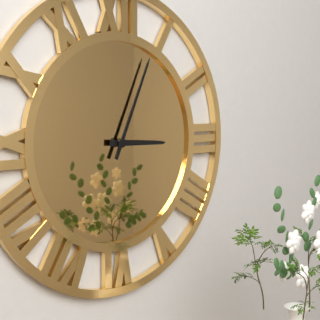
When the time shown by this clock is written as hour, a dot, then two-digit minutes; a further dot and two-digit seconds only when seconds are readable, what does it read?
3.04
